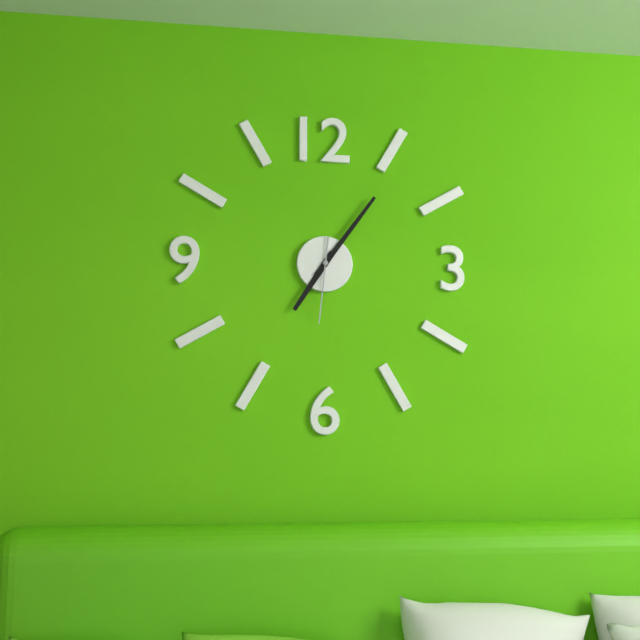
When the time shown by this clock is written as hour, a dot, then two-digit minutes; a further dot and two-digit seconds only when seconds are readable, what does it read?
7.06.31
